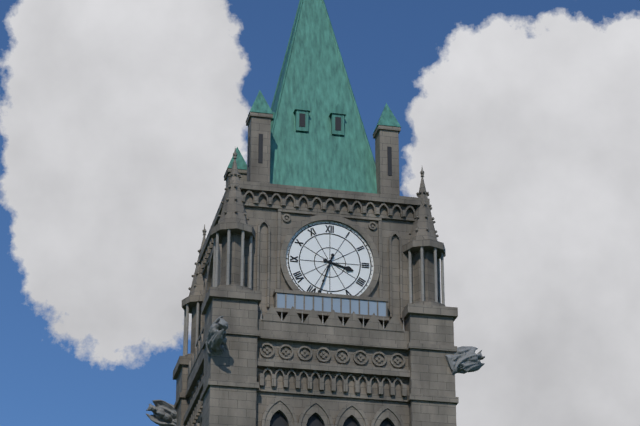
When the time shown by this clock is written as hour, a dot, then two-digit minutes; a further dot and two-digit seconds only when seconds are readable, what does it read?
3.33
